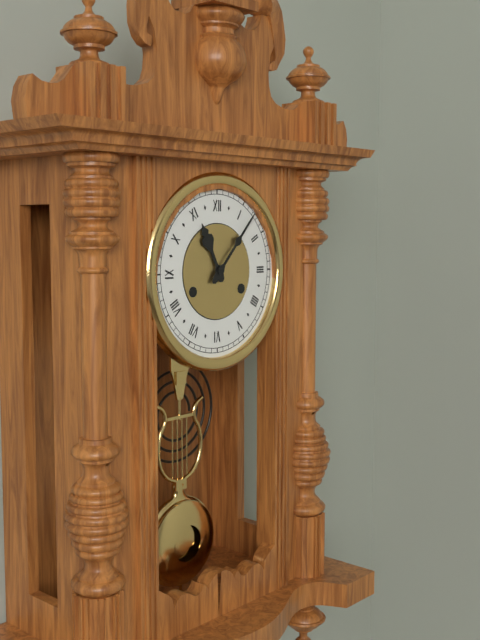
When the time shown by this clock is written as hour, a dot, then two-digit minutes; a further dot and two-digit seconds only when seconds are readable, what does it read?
11.07
